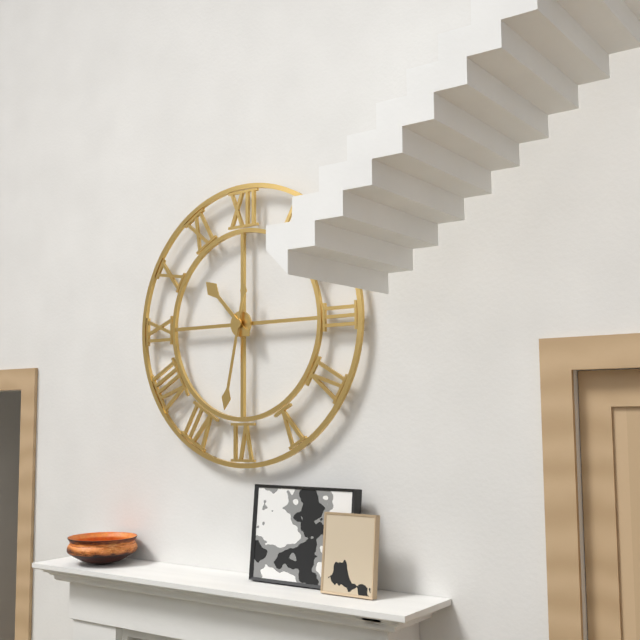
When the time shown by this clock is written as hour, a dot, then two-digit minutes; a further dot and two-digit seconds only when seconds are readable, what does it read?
10.32
